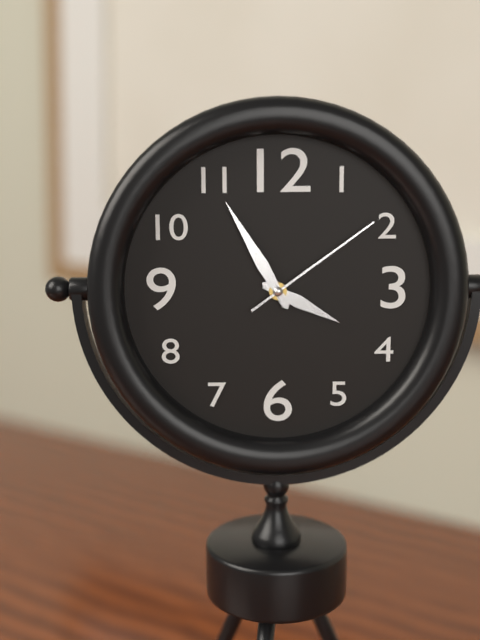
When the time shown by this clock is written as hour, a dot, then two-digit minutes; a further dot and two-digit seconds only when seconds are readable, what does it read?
3.55.09
